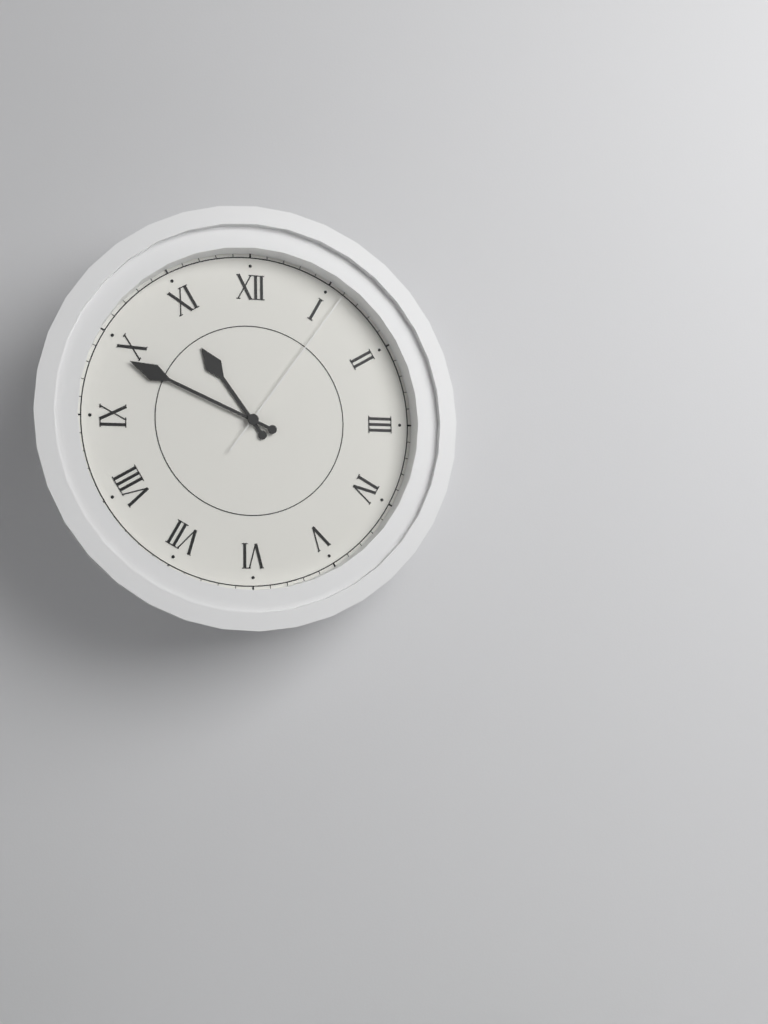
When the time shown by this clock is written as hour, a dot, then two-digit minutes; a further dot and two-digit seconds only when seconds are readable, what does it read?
10.49.06
